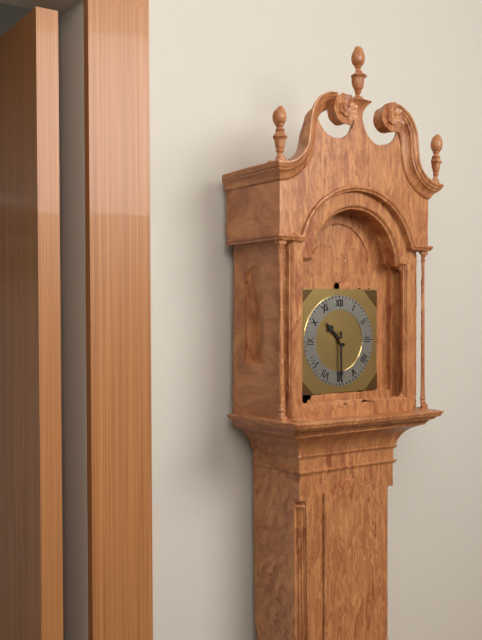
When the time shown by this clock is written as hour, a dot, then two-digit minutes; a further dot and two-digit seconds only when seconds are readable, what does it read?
10.30
